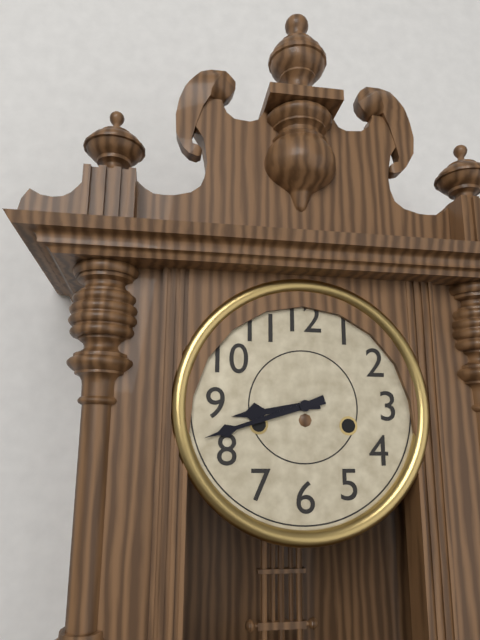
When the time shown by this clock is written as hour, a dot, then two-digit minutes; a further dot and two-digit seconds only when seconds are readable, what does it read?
8.42
